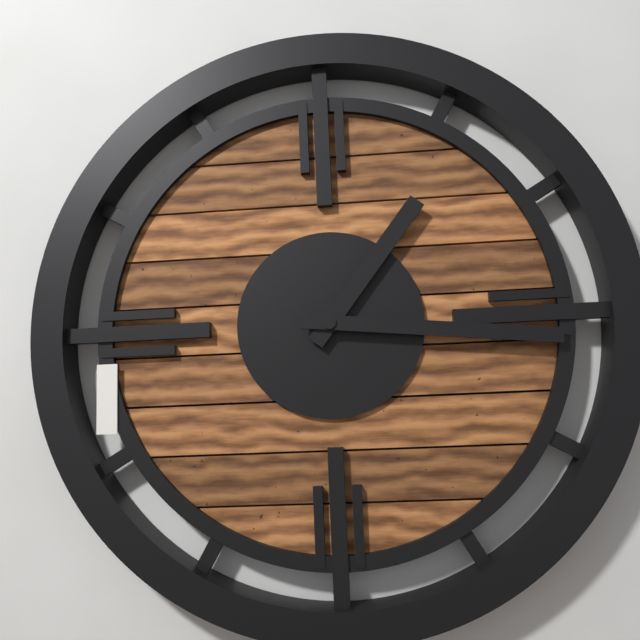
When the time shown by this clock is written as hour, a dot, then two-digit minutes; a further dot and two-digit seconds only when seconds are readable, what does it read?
1.16
